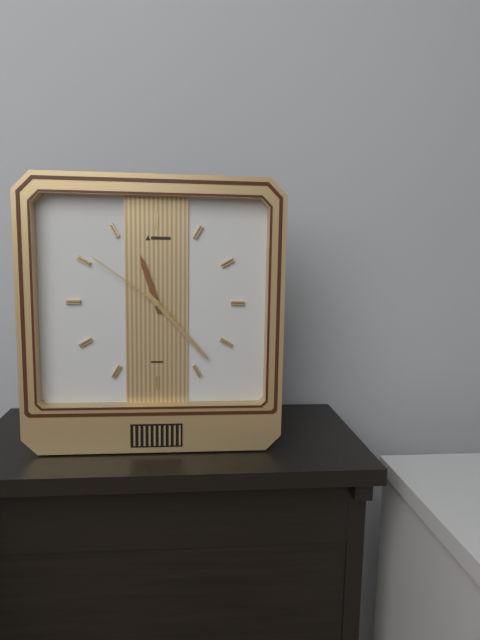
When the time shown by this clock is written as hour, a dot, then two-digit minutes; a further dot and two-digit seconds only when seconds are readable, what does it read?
11.23.51
